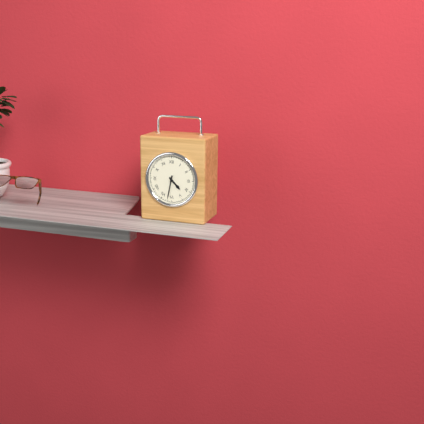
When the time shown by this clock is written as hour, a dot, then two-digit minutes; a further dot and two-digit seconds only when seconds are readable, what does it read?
4.32
